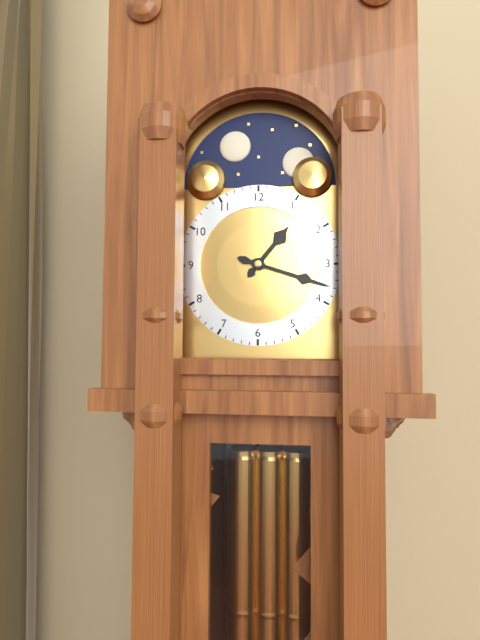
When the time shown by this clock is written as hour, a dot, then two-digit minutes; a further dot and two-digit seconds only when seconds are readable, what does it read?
1.18
